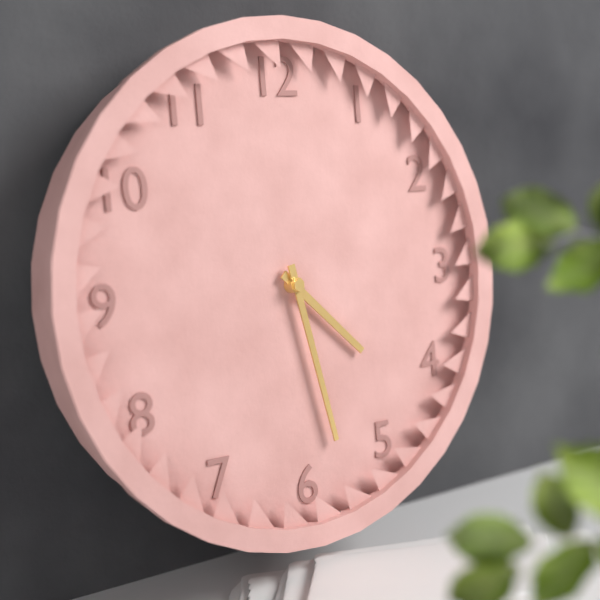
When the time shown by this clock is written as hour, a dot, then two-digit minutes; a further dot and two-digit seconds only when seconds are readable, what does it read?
4.28
